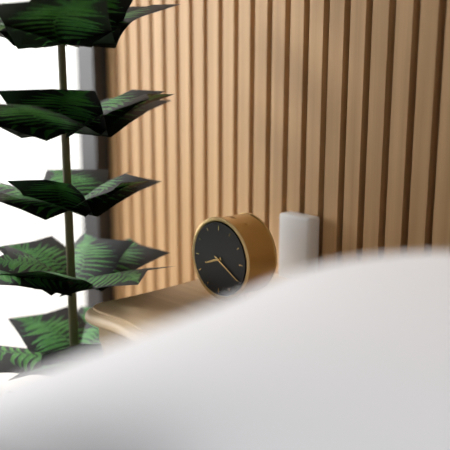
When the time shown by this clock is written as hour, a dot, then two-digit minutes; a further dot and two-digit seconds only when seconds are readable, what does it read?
8.20
